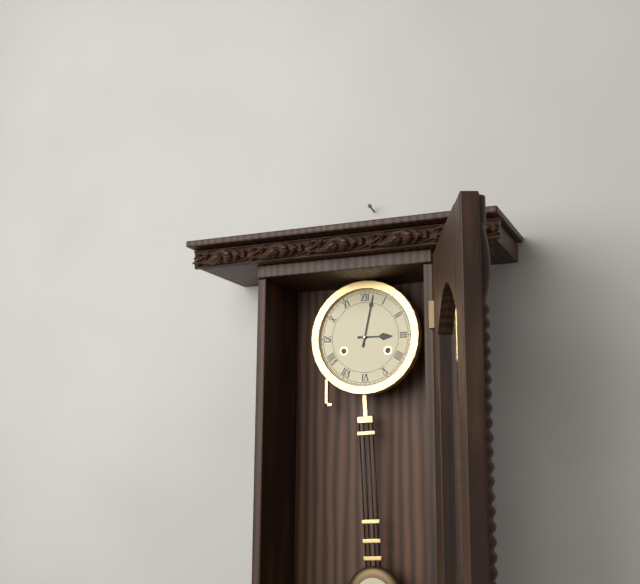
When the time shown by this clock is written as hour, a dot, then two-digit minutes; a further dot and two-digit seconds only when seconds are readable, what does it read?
3.02
